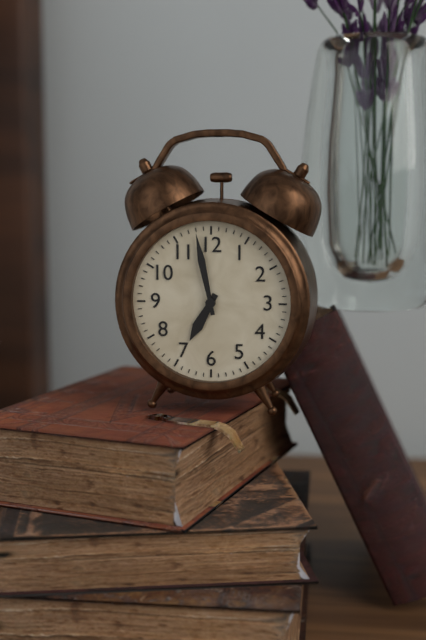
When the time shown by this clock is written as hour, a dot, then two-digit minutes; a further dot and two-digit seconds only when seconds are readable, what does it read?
6.58
